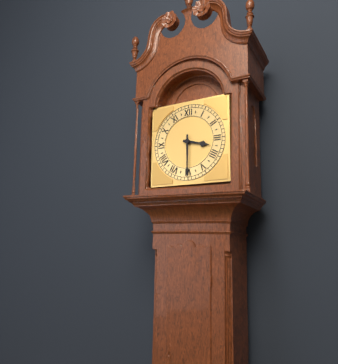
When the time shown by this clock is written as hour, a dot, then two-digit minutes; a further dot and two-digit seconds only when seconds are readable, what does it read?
3.30
